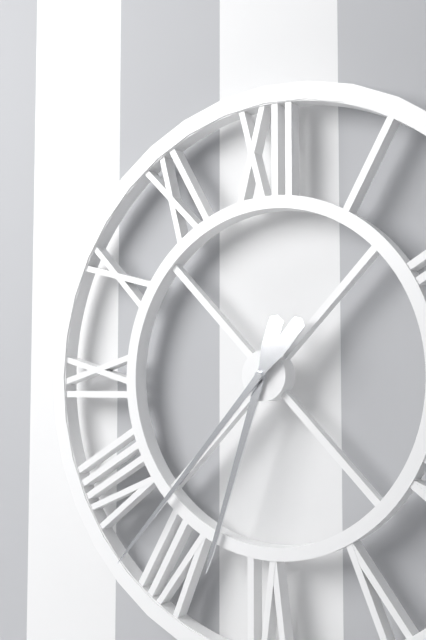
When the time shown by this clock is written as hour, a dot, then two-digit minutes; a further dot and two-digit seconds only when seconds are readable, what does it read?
6.37
